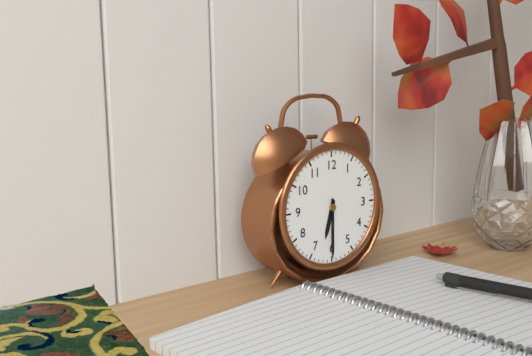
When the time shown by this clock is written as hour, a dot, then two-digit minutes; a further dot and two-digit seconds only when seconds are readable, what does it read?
6.30
